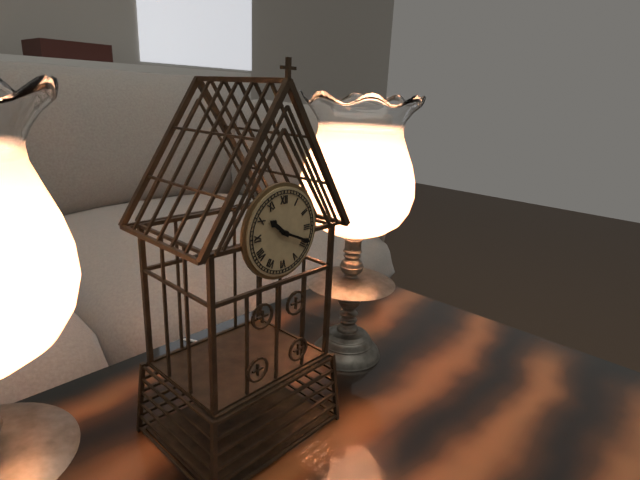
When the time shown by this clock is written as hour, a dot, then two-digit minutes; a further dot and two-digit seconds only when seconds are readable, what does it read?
10.19
